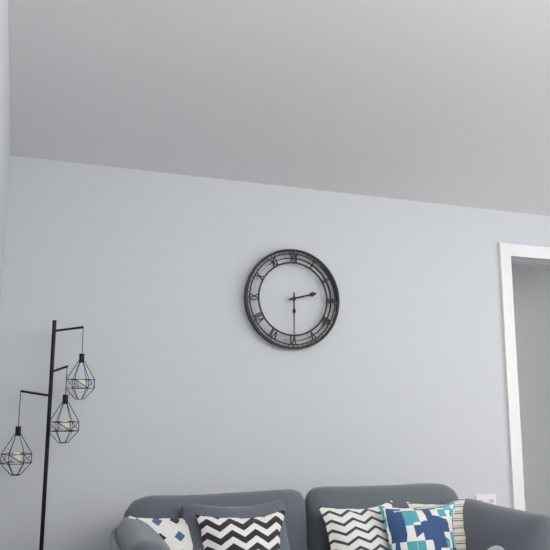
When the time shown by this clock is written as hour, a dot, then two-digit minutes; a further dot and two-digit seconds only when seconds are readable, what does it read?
2.30
